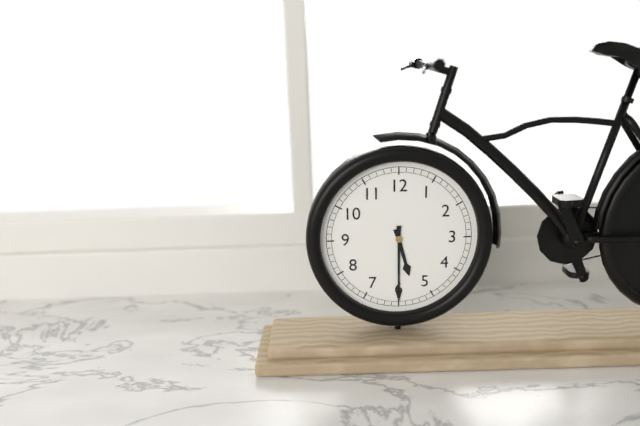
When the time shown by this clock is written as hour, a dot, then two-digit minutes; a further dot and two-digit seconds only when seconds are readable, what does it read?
5.30
